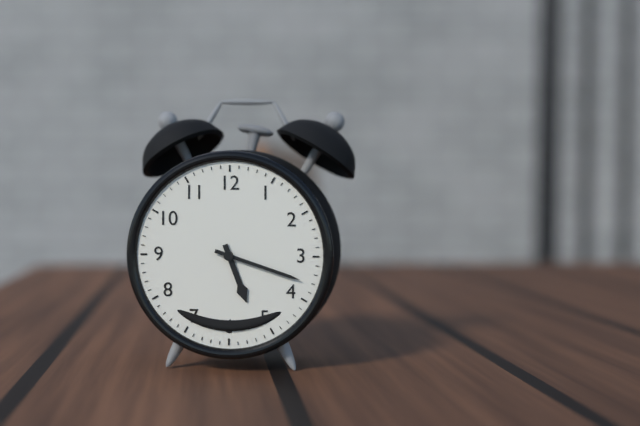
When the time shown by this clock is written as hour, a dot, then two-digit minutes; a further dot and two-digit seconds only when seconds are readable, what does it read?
5.18
